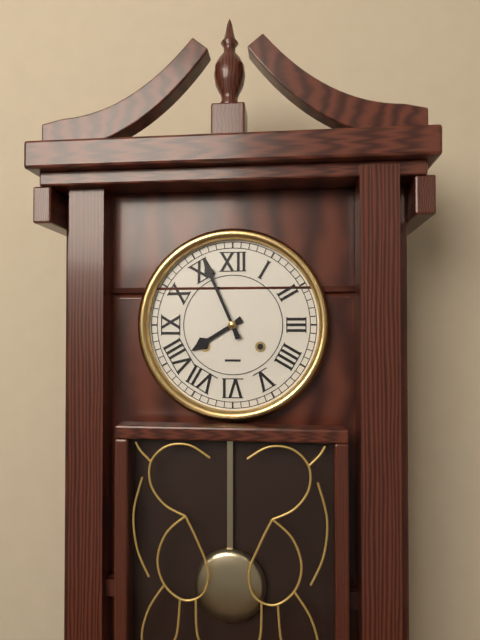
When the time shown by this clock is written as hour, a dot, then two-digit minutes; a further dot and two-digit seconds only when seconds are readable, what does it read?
7.56
